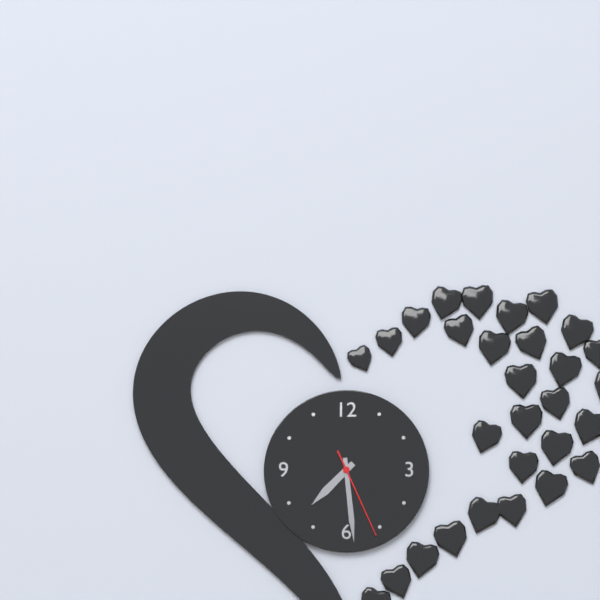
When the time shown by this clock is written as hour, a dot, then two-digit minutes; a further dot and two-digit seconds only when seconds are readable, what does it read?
7.29.26
